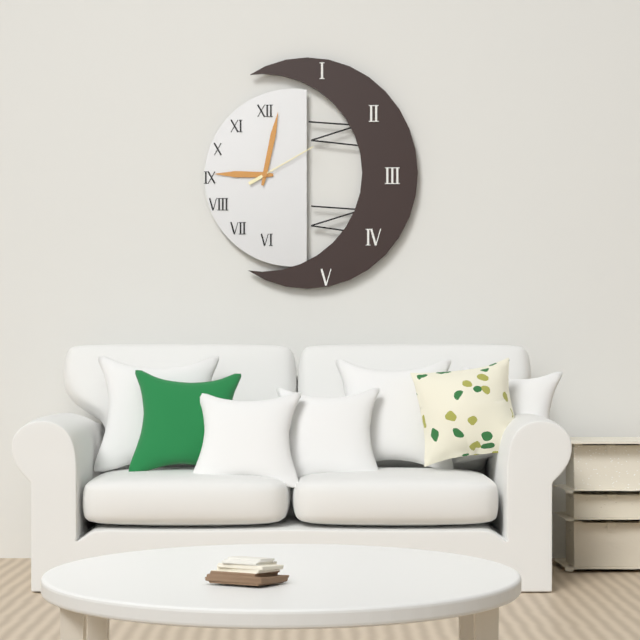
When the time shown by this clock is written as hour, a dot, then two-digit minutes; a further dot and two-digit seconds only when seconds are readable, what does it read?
9.02.10
